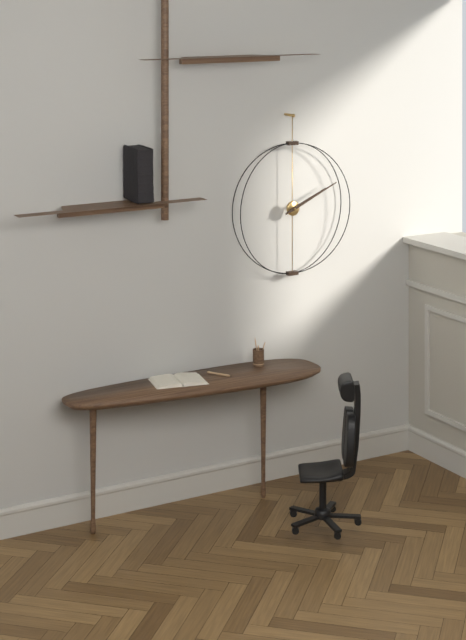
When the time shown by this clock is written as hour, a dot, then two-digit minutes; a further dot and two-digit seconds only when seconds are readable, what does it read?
2.11
